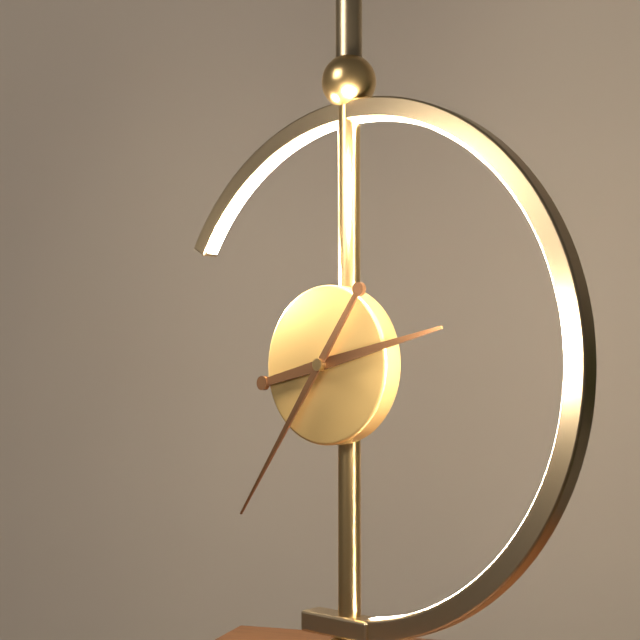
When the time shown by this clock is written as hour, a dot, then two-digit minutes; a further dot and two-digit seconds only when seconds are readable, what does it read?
2.36
